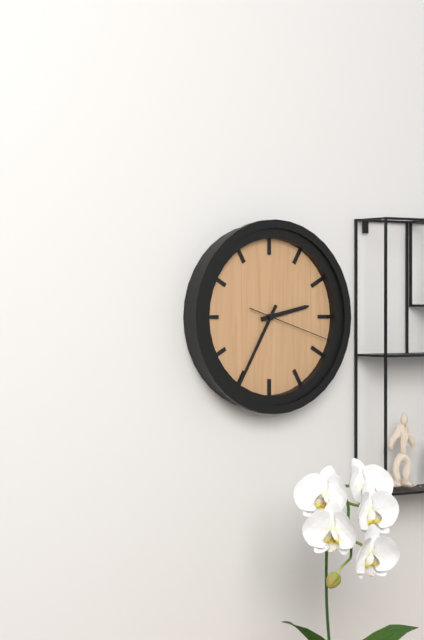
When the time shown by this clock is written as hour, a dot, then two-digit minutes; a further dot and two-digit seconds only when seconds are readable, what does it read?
2.35.18
